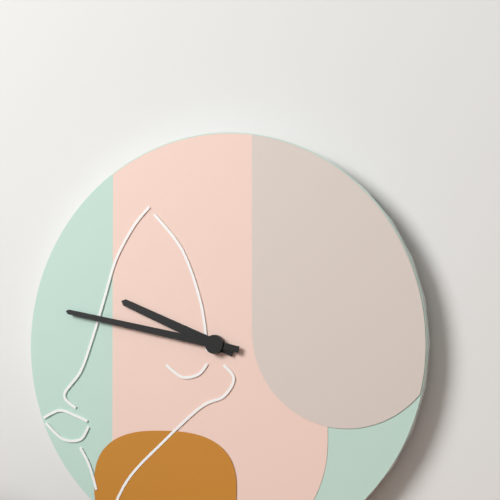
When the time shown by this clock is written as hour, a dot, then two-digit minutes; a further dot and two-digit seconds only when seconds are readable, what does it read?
9.47
